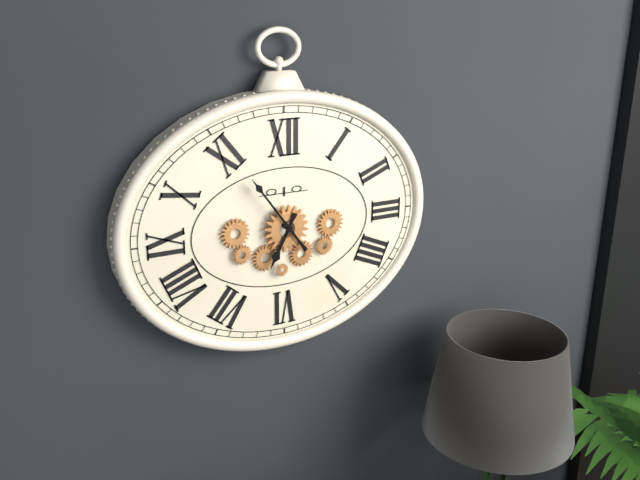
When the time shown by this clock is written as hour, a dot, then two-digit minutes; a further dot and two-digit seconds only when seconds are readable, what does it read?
6.54
